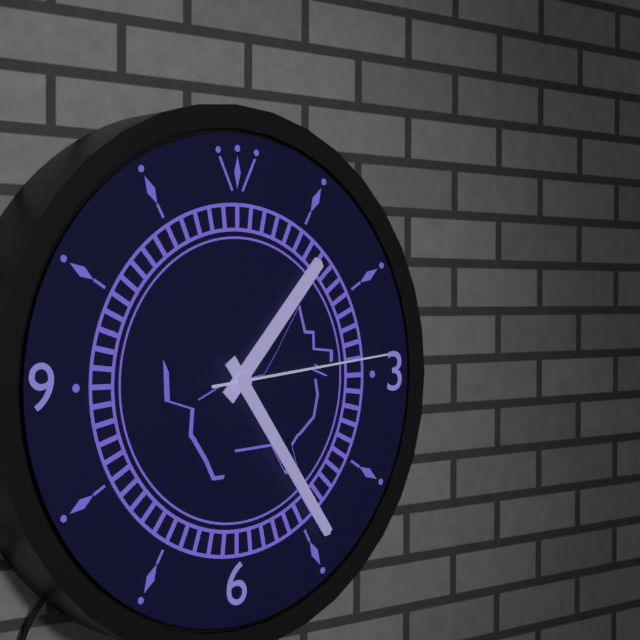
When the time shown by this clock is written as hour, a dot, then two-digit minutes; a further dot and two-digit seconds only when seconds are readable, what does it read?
1.24.14
